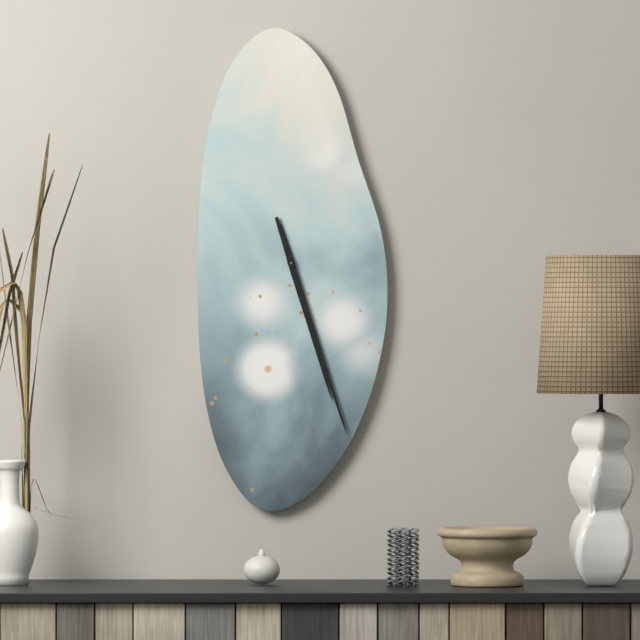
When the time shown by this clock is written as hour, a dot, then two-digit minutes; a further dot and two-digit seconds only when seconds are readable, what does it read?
5.27
